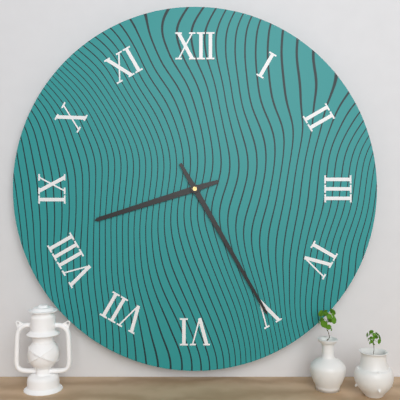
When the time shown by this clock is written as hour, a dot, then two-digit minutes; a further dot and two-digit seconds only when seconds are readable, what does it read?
8.25
